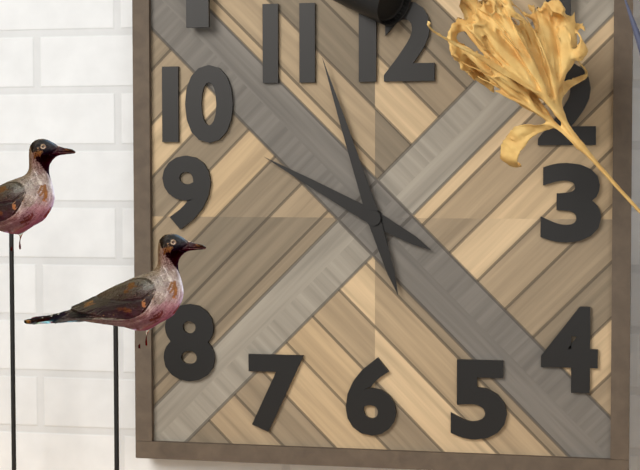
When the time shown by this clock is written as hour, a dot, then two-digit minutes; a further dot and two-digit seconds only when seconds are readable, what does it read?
9.57
